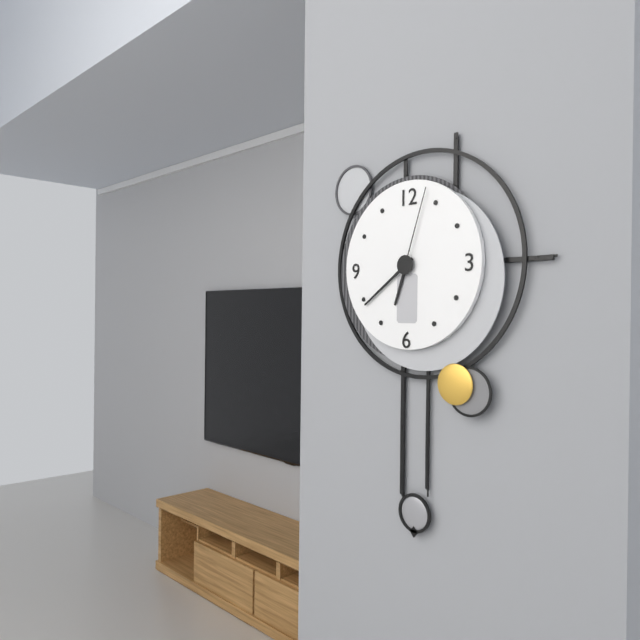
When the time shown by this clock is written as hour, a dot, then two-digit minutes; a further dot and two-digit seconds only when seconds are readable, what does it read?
6.39.03
